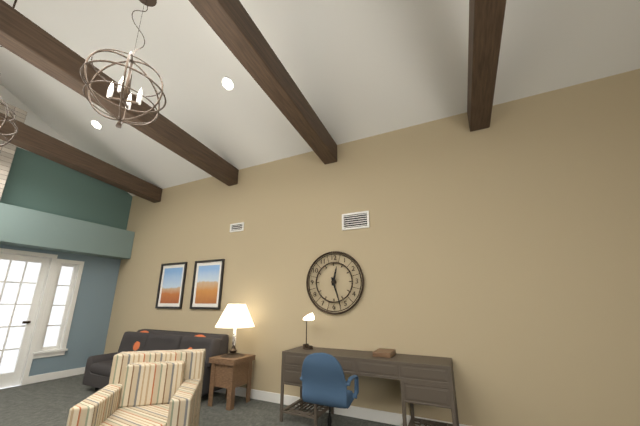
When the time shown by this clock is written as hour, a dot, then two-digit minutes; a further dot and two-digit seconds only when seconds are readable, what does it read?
12.27
